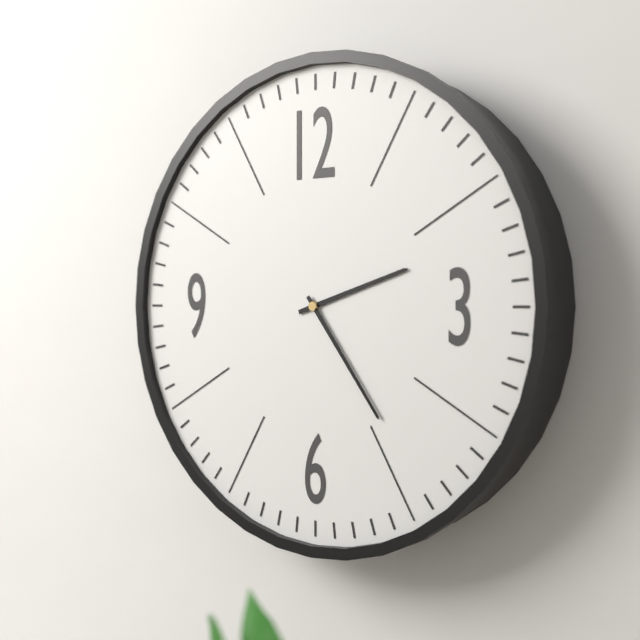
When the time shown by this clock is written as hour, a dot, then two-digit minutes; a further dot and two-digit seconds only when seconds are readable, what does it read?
2.24
